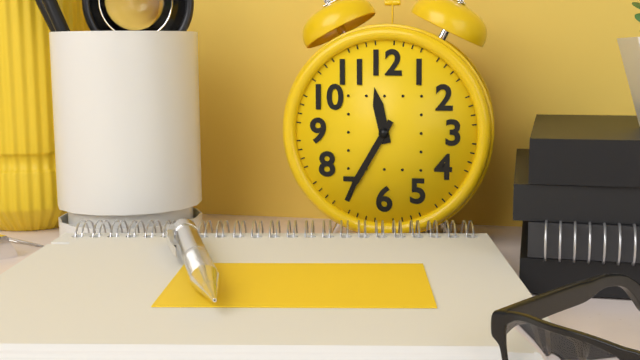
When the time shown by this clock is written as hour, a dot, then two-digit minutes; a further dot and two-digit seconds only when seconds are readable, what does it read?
11.35
